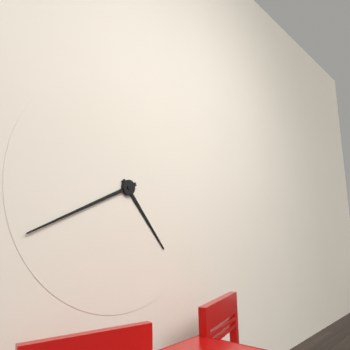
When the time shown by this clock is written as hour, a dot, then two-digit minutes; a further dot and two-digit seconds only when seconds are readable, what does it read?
4.41
